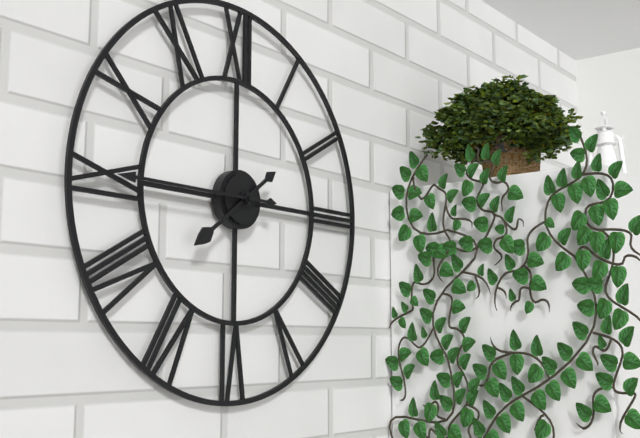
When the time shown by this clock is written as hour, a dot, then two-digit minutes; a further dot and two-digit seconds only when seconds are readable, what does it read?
7.45
